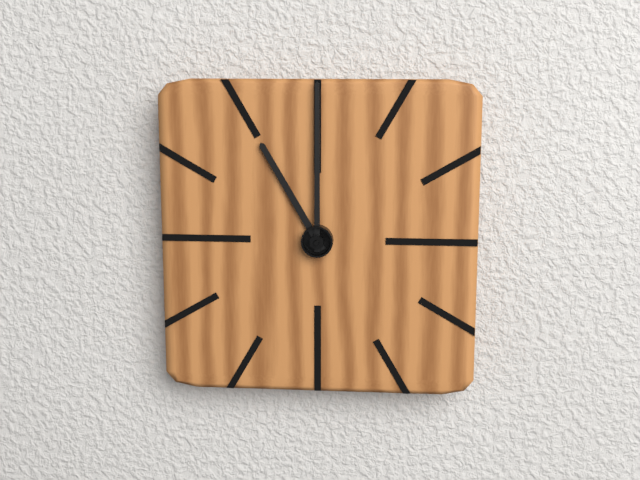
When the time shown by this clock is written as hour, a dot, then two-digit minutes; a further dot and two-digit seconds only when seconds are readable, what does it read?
11.00
